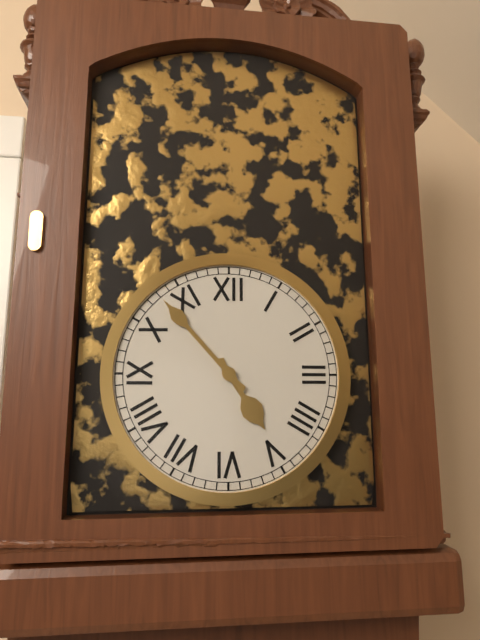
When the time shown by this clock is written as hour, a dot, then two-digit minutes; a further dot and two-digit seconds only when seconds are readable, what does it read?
4.53
